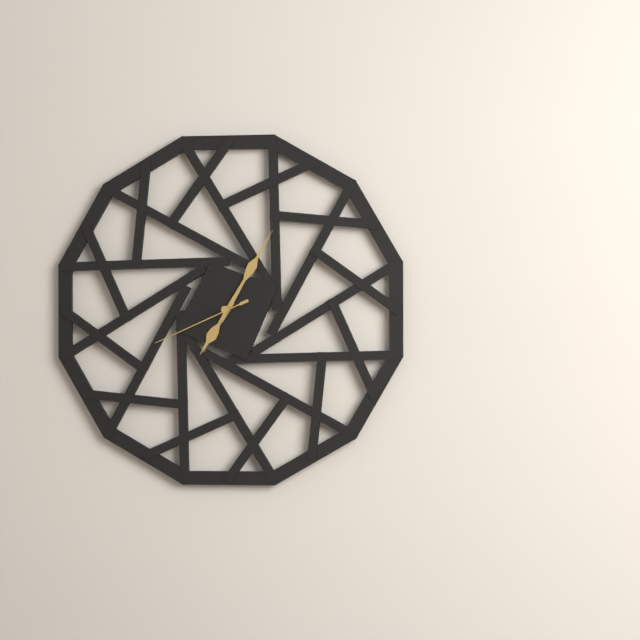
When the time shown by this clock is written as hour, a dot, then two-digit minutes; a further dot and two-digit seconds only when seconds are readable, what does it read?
7.05.41
